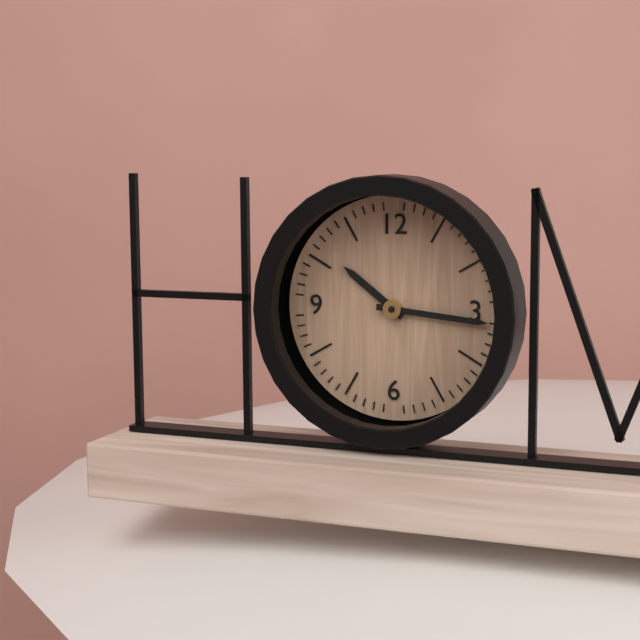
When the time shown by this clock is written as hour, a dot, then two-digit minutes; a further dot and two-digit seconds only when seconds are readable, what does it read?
10.16
